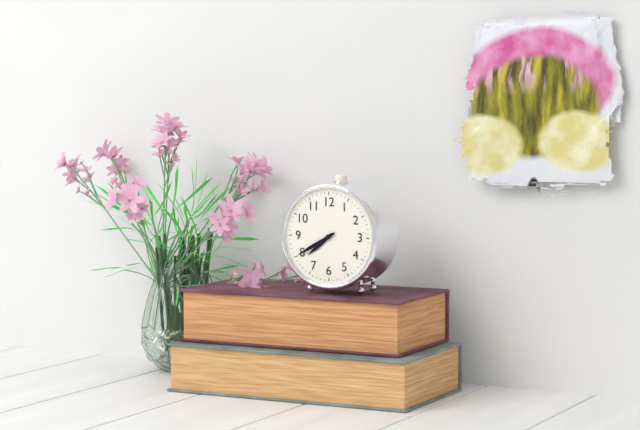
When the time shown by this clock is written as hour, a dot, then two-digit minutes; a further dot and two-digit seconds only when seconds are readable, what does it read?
7.40
